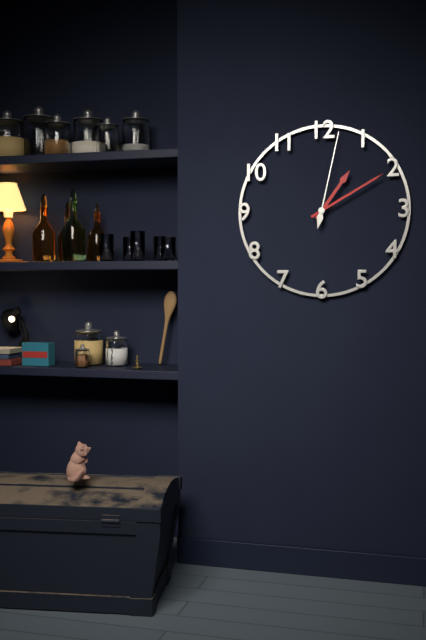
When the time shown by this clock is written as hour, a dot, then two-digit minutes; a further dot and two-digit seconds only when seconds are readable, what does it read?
1.10.02
